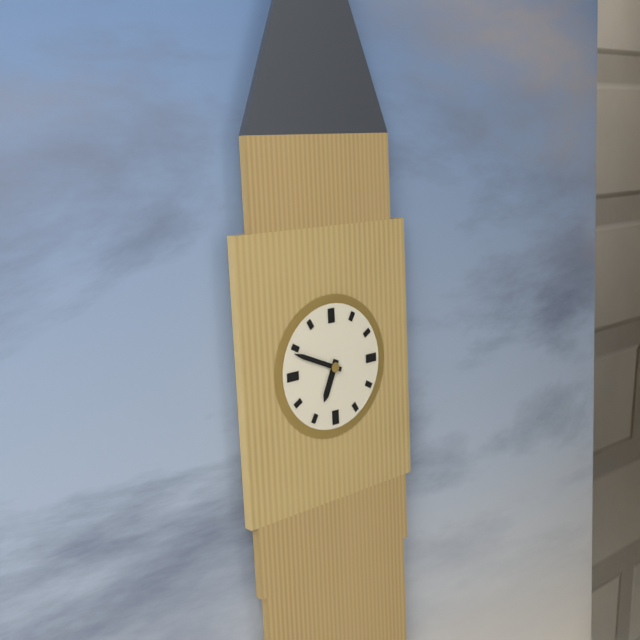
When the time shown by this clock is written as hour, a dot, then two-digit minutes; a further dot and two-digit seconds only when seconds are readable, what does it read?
6.49
